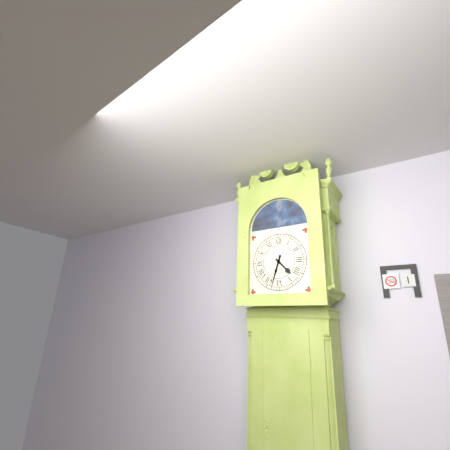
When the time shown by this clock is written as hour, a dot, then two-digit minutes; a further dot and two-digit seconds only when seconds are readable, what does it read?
4.33
